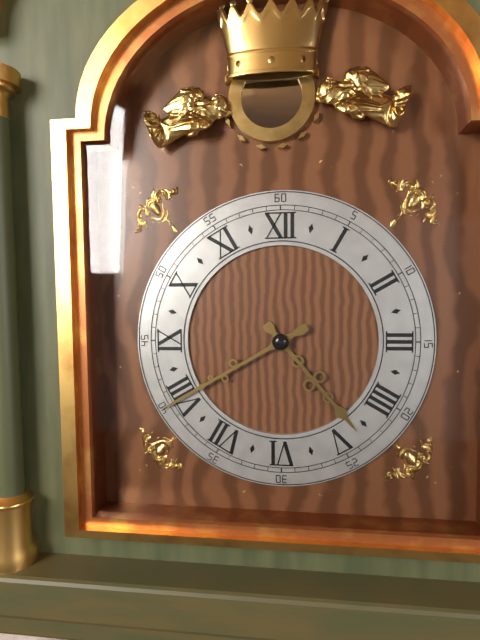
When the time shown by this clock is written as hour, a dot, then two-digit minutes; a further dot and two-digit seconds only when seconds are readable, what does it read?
4.40
